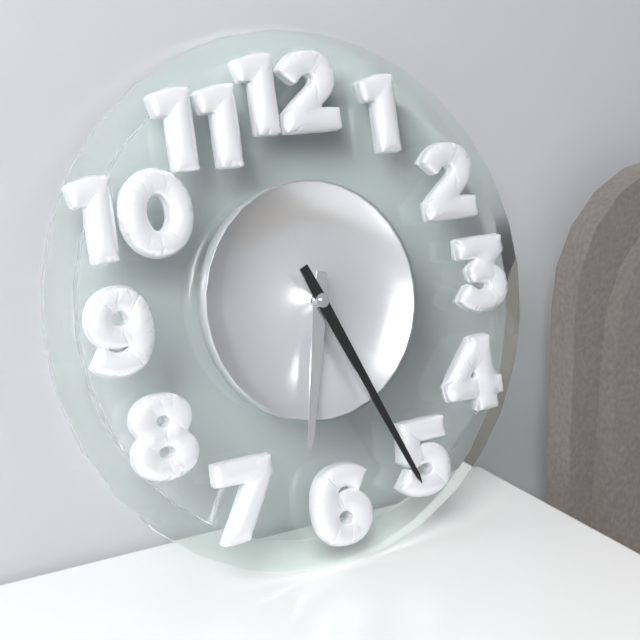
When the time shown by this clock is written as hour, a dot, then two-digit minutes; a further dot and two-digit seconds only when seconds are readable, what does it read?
6.26
